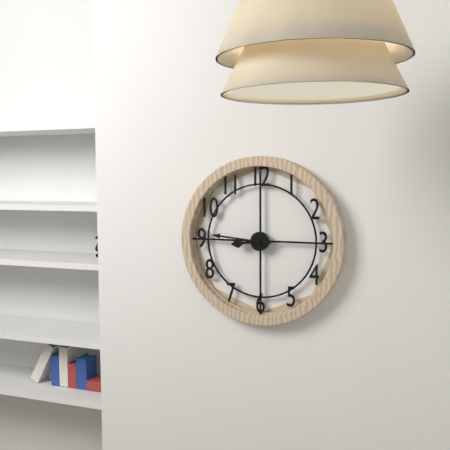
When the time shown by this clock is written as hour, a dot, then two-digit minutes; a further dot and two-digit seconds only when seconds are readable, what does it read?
8.46
